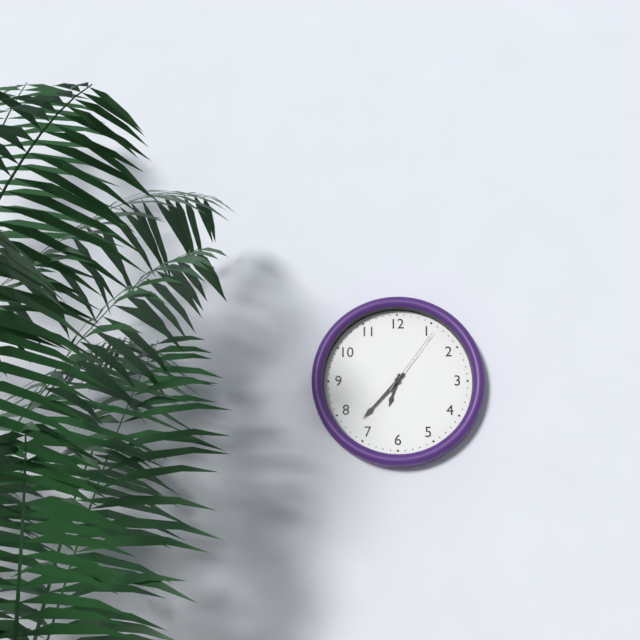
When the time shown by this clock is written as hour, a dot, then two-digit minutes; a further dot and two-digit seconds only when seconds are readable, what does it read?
6.37.06
